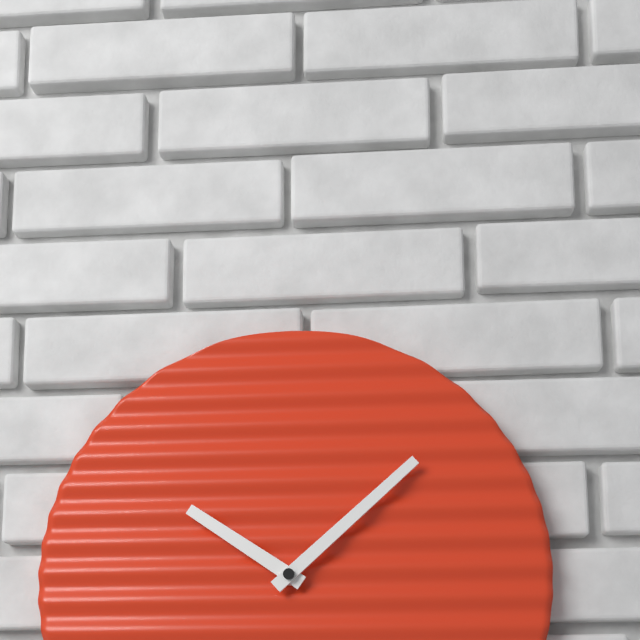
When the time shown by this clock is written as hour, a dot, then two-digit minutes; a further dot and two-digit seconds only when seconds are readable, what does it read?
10.08
